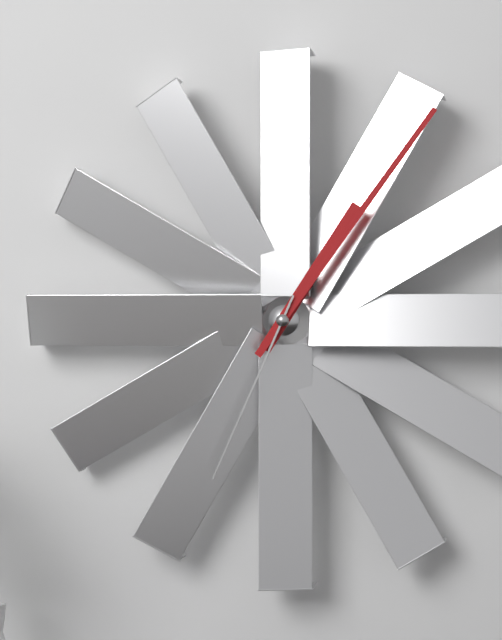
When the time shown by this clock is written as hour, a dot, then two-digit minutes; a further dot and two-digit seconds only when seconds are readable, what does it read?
1.06.34
